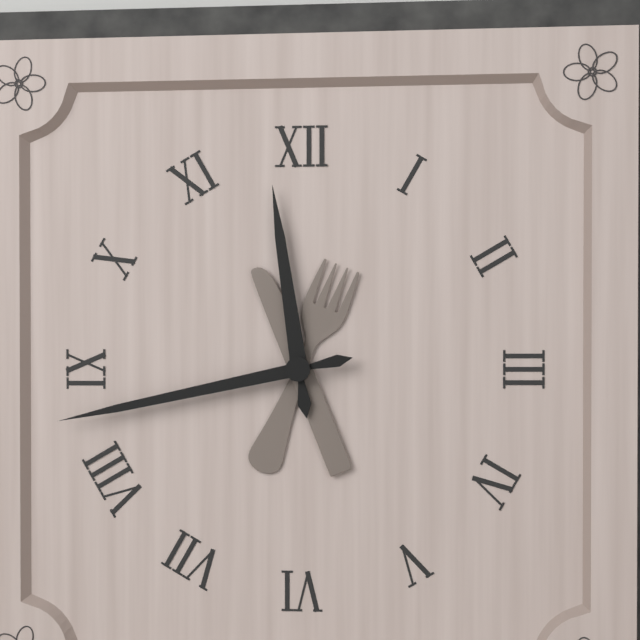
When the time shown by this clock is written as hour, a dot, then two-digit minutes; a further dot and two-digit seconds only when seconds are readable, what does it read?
11.43
